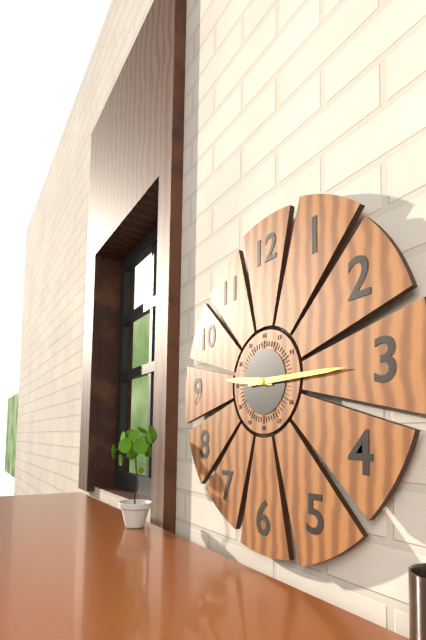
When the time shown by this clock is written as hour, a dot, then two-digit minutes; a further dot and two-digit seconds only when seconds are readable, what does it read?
9.15
